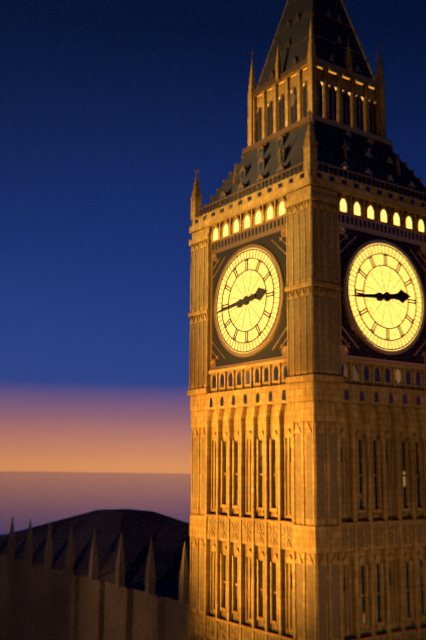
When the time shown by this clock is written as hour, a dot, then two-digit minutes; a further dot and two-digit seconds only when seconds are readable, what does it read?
2.44
